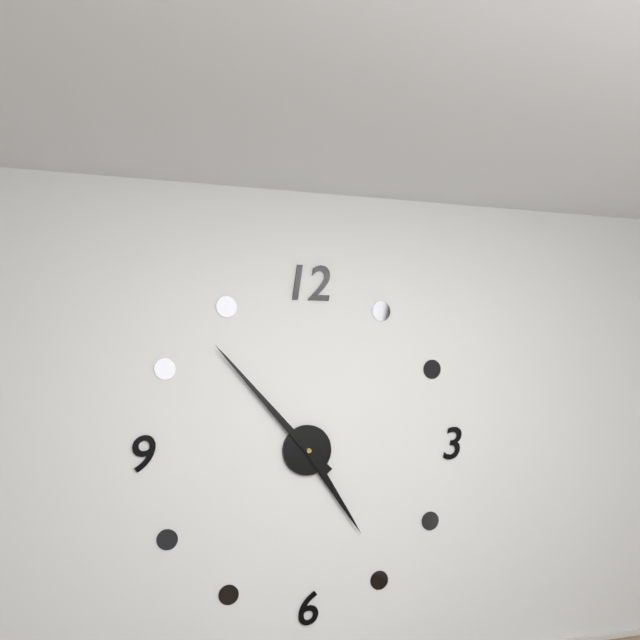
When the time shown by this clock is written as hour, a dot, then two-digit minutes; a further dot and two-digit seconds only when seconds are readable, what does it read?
4.53
